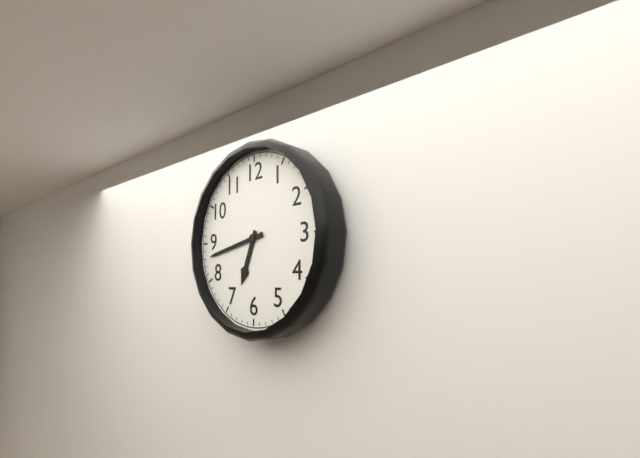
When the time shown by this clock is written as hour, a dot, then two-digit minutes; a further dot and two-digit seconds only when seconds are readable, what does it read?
6.43
